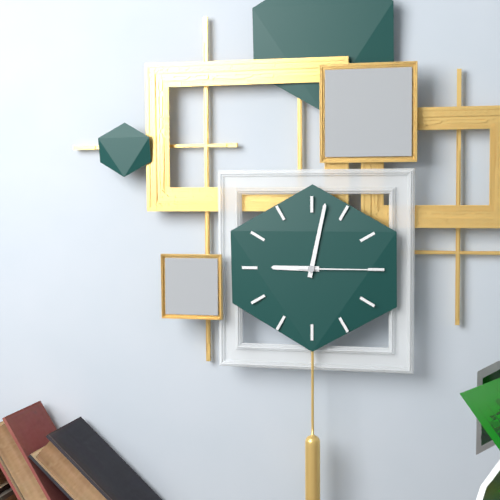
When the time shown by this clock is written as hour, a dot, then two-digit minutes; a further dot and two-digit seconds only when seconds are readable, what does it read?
9.02.15
